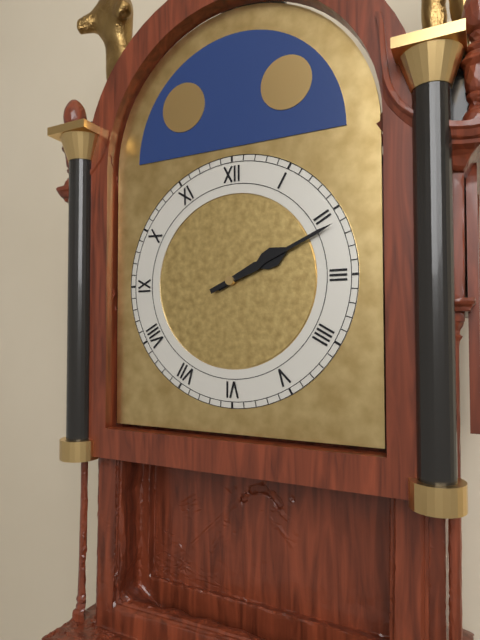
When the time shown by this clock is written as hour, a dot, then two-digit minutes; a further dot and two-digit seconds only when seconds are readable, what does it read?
2.11
